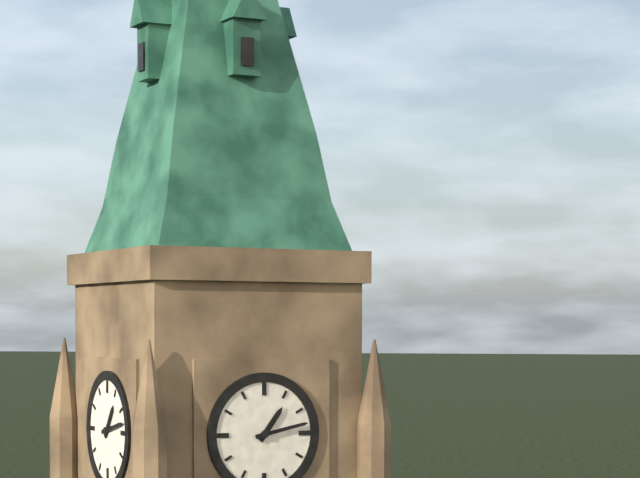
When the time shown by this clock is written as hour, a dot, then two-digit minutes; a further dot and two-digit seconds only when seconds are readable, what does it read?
1.13
